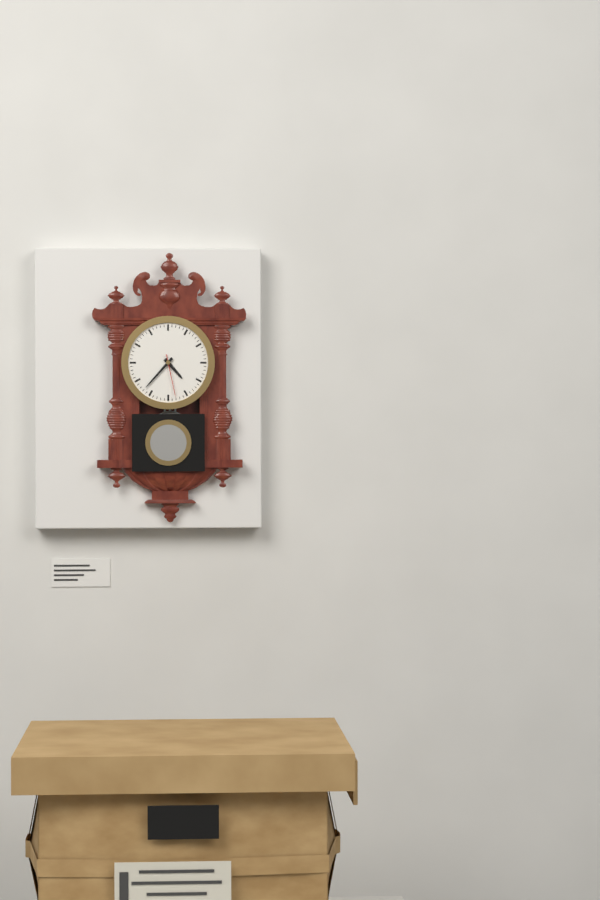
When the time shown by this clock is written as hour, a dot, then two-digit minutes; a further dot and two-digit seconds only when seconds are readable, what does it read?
4.37
